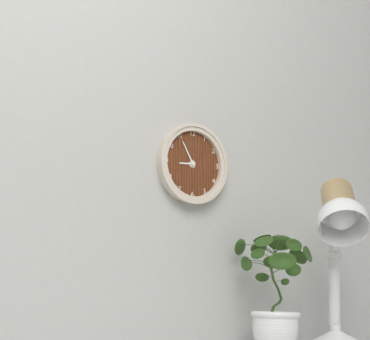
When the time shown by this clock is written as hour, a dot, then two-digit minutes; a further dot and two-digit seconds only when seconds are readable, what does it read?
8.55
